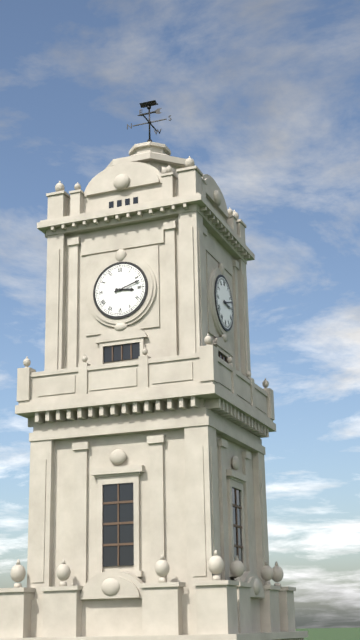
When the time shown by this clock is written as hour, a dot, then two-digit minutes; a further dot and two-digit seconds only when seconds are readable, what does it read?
3.12
